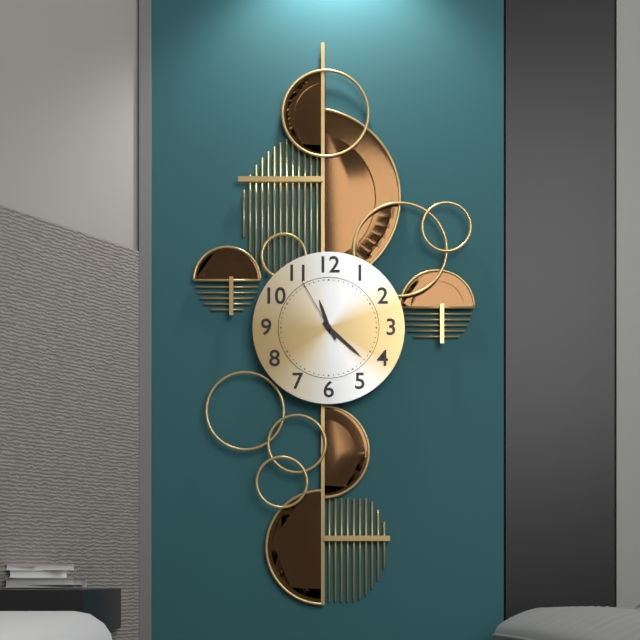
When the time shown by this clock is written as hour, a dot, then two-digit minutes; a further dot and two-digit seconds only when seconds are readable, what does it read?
11.22.55
